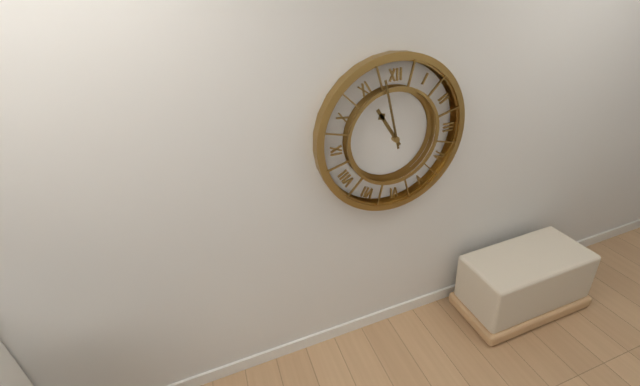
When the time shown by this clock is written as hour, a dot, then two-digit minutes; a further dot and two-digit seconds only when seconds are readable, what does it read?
10.58
